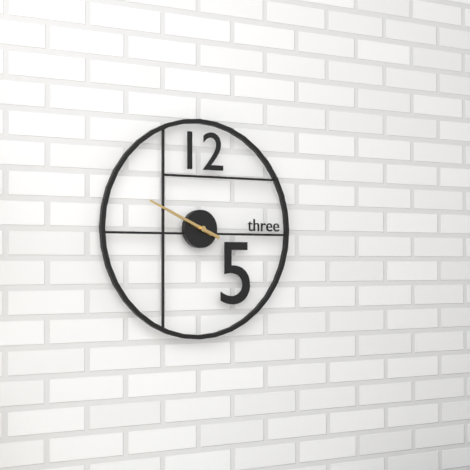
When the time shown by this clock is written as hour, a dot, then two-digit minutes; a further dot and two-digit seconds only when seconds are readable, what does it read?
9.49
